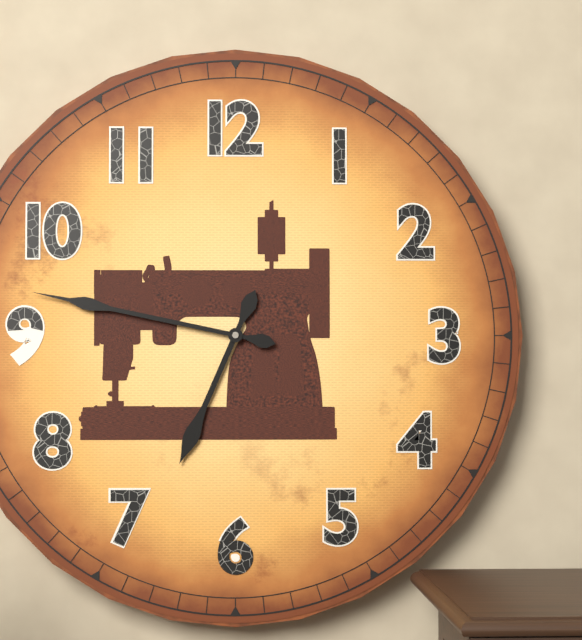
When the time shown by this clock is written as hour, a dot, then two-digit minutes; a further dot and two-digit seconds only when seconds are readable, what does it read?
6.47
